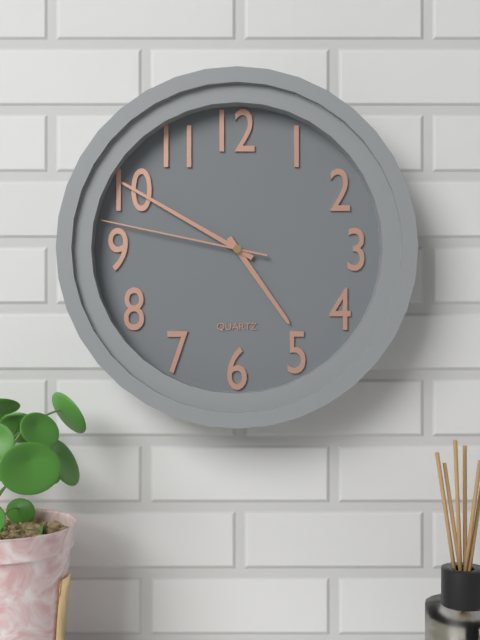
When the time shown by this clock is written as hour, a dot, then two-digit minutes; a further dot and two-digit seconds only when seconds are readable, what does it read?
4.50.47
